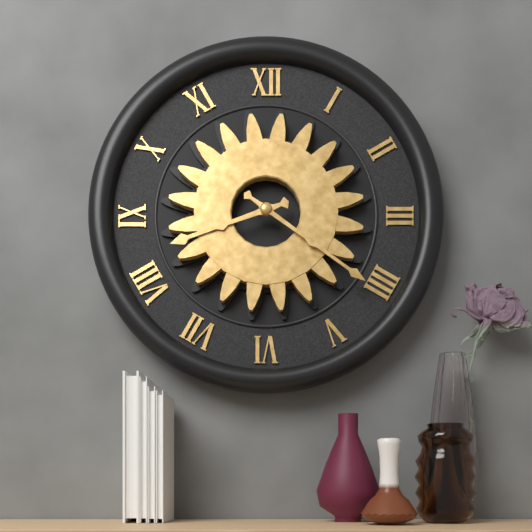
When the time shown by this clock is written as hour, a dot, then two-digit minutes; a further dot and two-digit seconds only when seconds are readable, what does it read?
8.21
